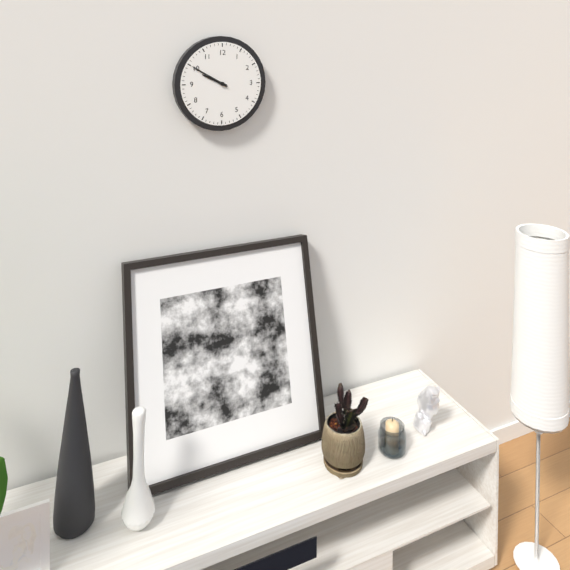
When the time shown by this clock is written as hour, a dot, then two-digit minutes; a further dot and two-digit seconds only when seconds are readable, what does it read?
9.50
